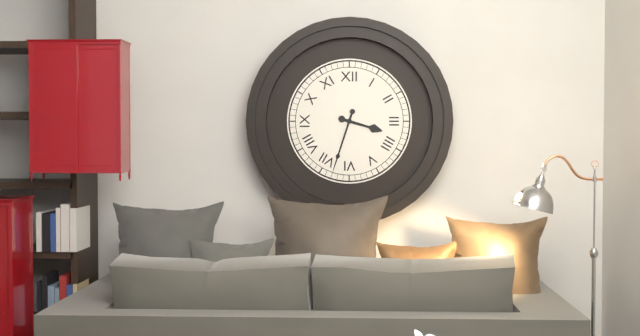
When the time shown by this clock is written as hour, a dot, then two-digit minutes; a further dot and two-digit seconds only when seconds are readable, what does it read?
3.33
